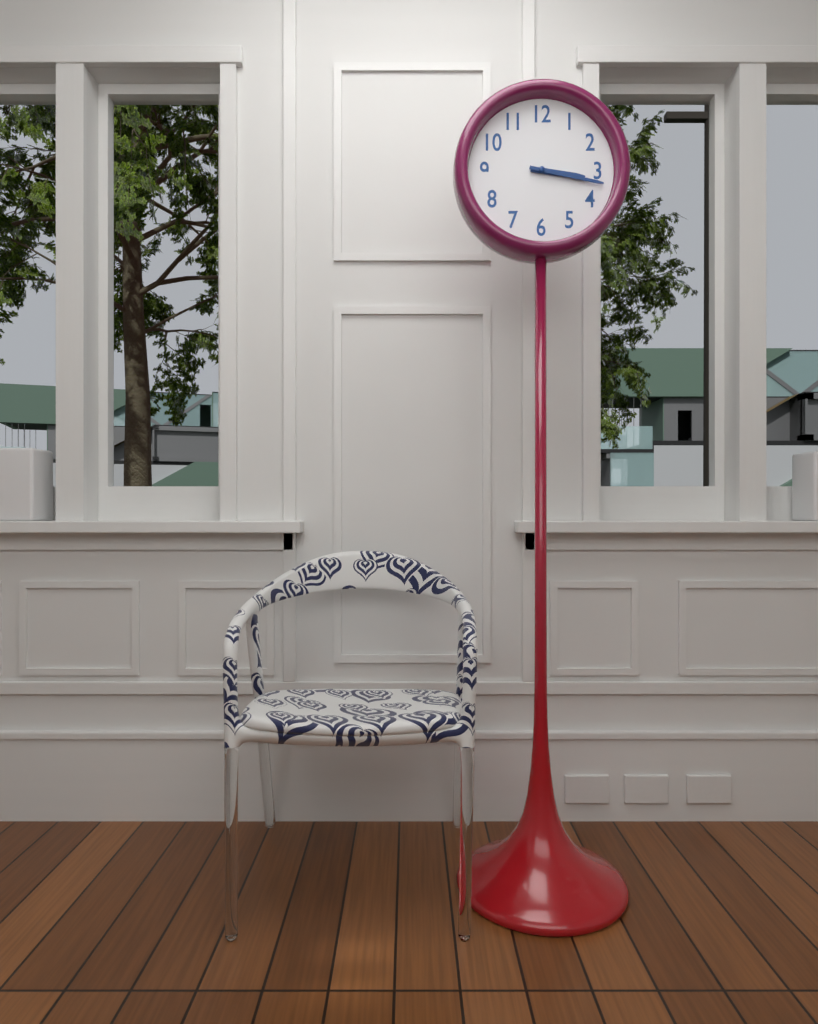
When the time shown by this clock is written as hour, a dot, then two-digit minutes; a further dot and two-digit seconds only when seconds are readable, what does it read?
3.17
